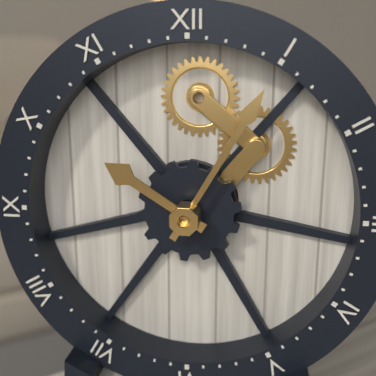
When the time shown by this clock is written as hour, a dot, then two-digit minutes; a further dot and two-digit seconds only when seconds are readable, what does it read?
10.05
